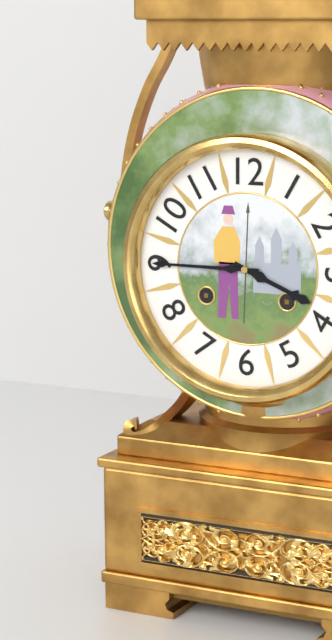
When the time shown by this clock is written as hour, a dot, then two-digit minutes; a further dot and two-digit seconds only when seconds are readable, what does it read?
3.45
